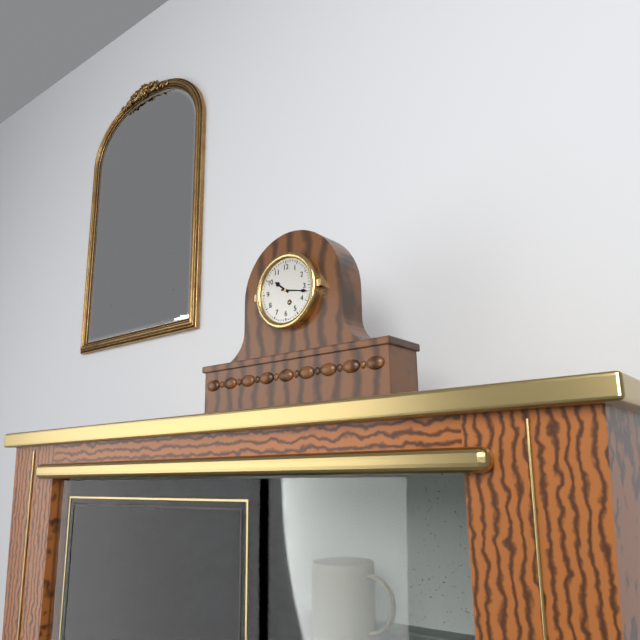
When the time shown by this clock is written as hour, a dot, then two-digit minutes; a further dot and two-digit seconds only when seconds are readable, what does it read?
10.17
